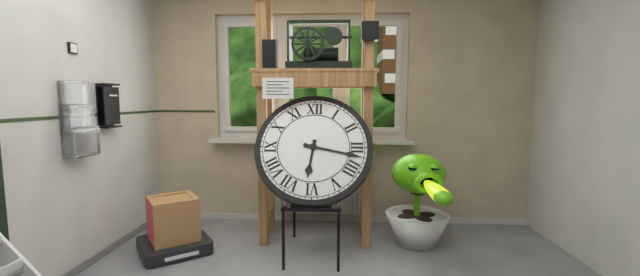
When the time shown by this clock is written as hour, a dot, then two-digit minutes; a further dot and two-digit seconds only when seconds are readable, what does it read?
6.17
